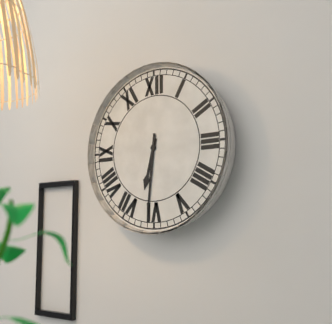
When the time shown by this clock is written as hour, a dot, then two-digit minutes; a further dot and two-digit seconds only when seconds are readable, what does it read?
6.31
